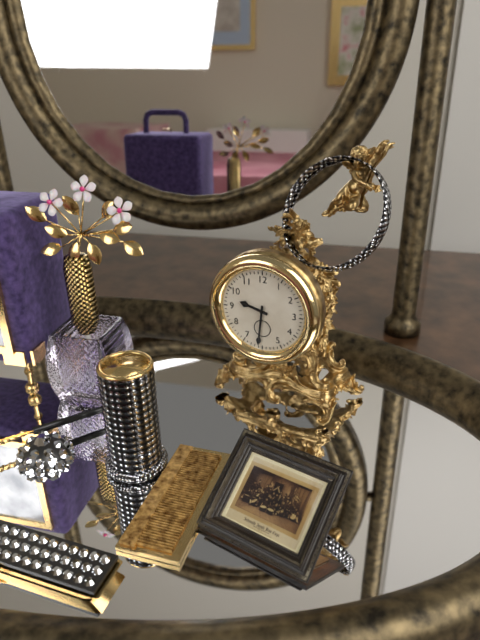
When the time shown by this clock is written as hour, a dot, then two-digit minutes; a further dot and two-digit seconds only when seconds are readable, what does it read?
9.31
